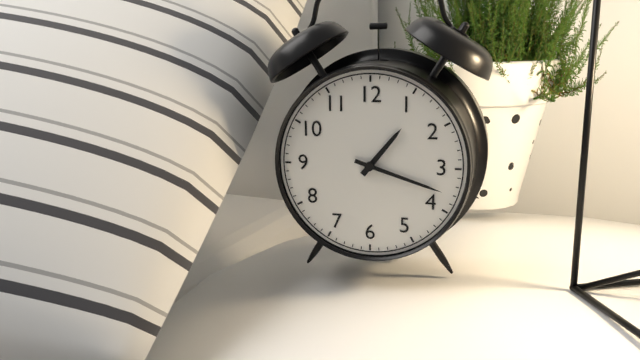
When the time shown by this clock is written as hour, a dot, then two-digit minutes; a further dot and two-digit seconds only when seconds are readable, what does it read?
1.18
